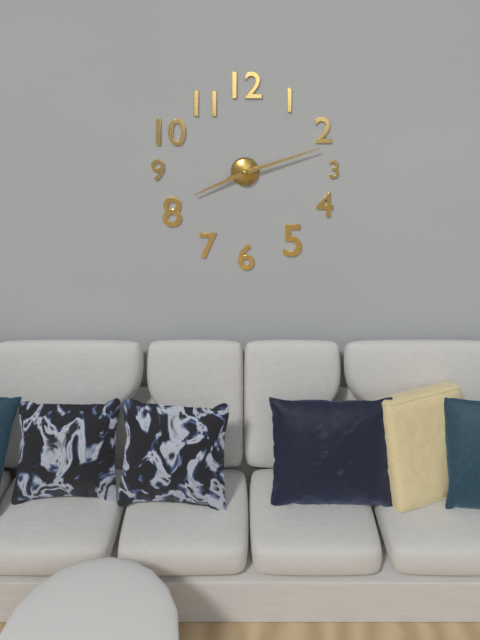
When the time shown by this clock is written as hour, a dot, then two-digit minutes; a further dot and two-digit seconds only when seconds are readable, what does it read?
8.12
